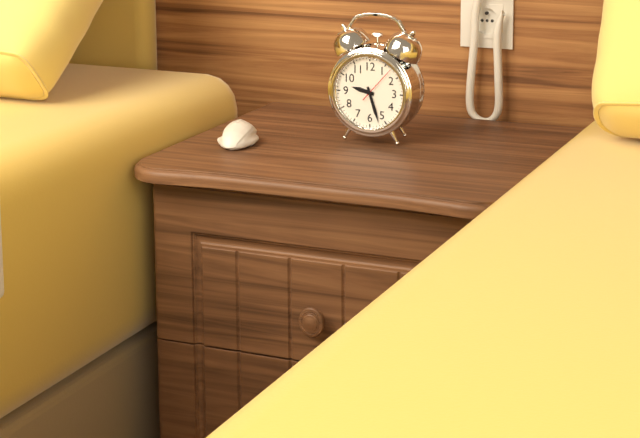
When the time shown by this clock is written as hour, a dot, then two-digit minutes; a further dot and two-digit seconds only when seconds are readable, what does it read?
9.27
